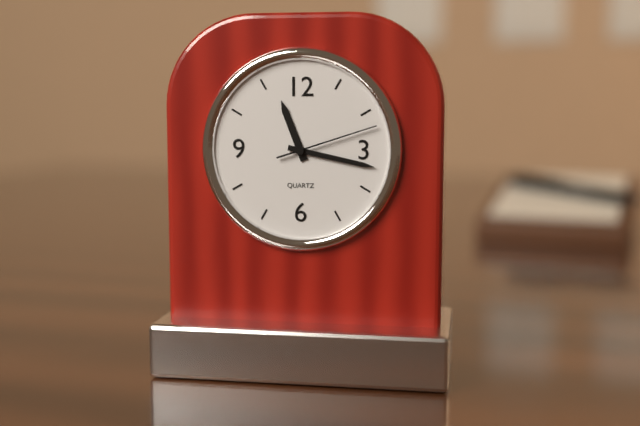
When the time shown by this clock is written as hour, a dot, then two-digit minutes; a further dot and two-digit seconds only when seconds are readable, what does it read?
11.17.12
